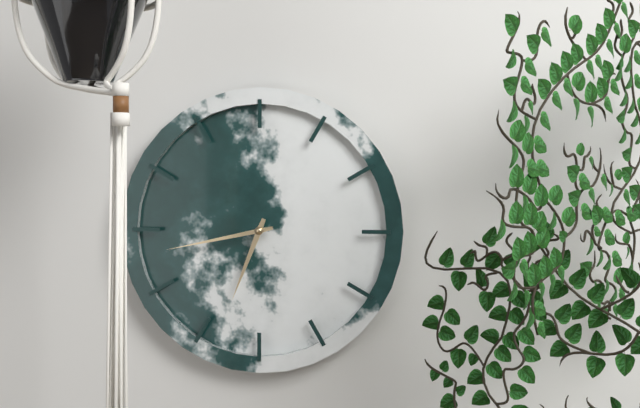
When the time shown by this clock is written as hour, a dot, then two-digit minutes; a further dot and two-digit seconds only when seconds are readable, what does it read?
6.43
